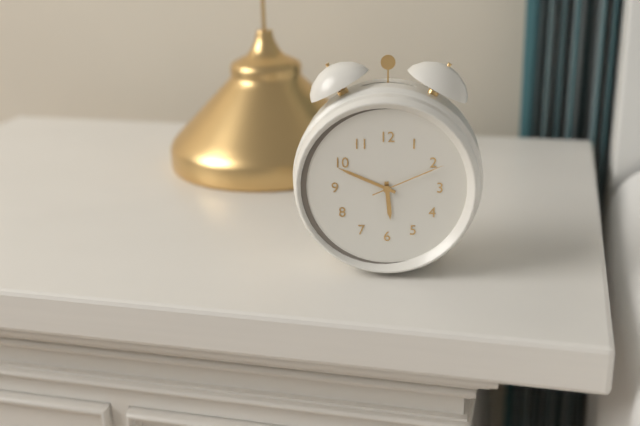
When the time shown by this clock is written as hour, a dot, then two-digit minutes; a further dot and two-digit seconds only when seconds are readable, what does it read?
5.49.11
